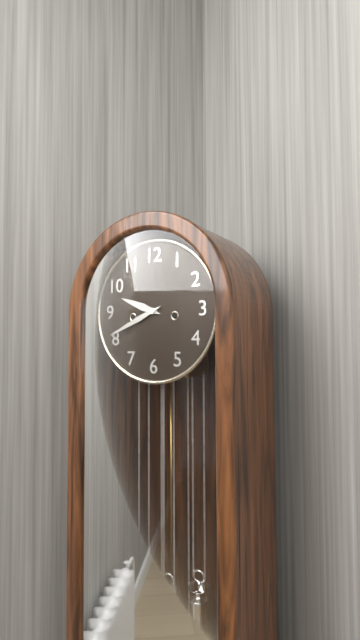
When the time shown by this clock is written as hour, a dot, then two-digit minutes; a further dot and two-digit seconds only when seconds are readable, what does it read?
9.41
